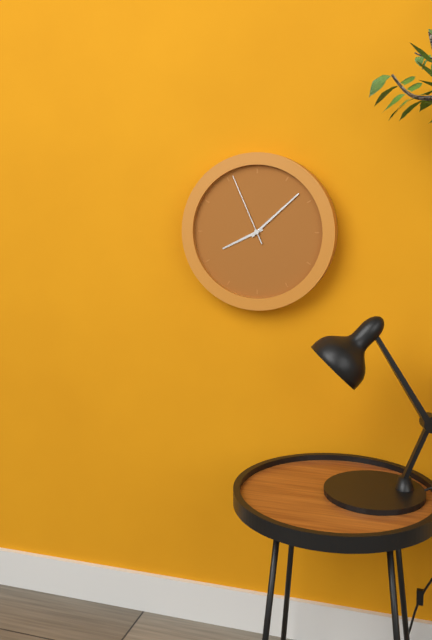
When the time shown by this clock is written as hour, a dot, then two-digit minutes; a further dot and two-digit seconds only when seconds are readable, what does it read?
8.08.56
